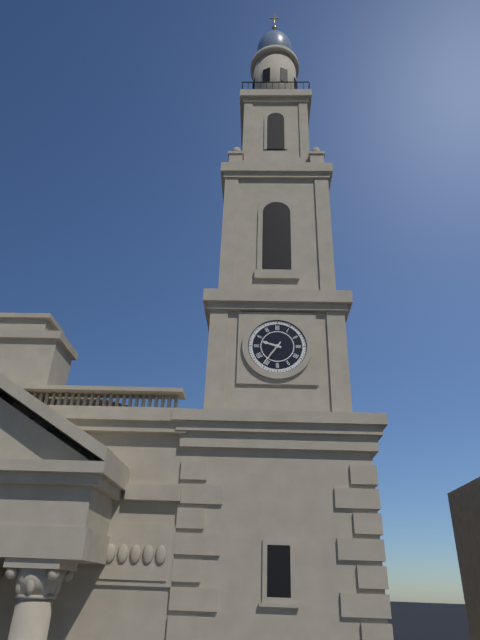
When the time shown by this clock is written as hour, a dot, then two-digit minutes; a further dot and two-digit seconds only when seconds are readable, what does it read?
9.36
